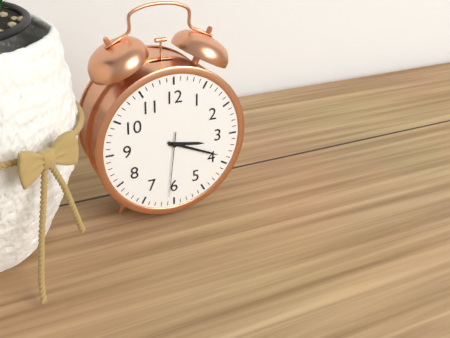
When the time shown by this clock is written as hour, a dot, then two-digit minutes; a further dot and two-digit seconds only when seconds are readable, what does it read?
3.19.31
